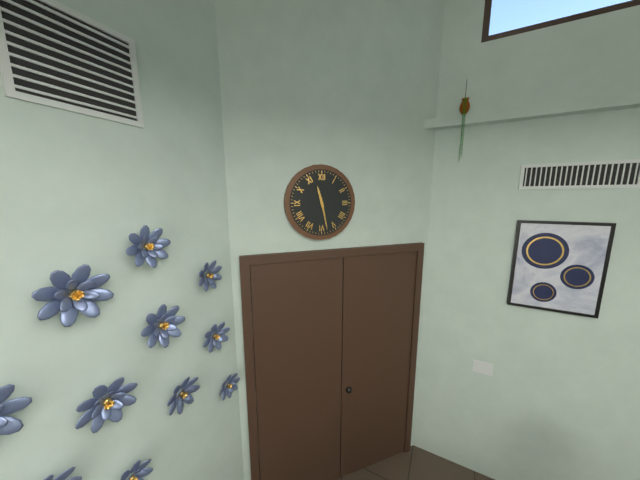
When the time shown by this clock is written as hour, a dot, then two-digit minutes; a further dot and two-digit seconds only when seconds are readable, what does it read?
11.28
